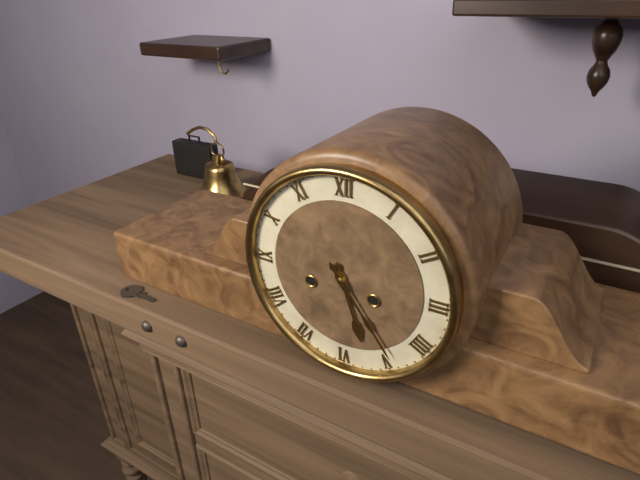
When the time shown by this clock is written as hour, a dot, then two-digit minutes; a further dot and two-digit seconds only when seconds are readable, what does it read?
5.24
